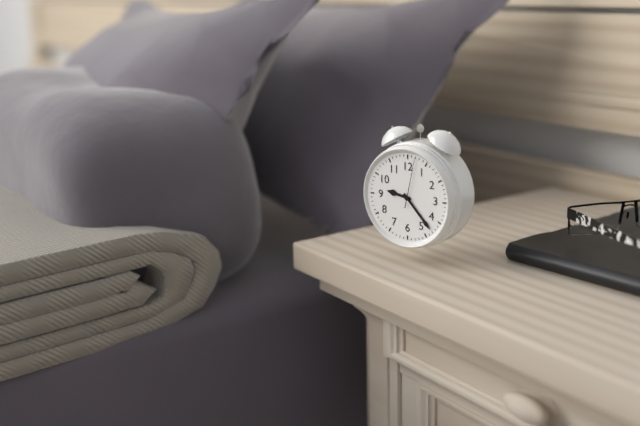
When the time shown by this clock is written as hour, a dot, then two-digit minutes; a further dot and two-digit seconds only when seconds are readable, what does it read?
9.23.02
